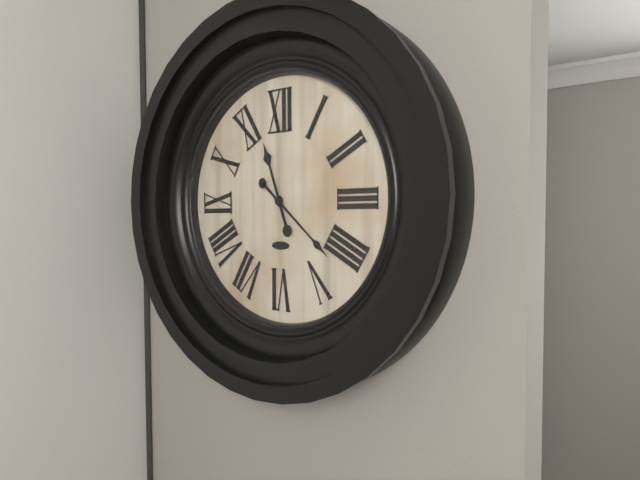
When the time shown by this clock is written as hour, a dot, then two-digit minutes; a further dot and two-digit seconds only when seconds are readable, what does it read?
11.22
